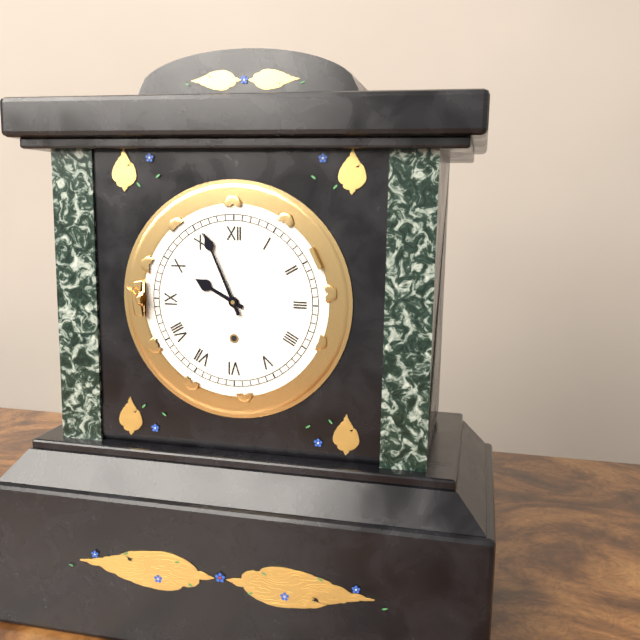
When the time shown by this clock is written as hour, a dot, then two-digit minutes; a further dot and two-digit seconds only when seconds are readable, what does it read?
9.56
